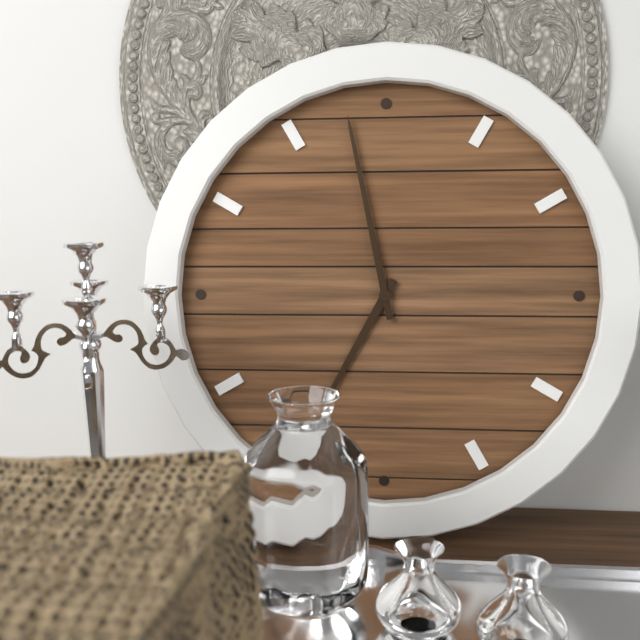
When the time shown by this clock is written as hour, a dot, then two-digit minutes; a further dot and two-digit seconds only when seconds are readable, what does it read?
6.58
